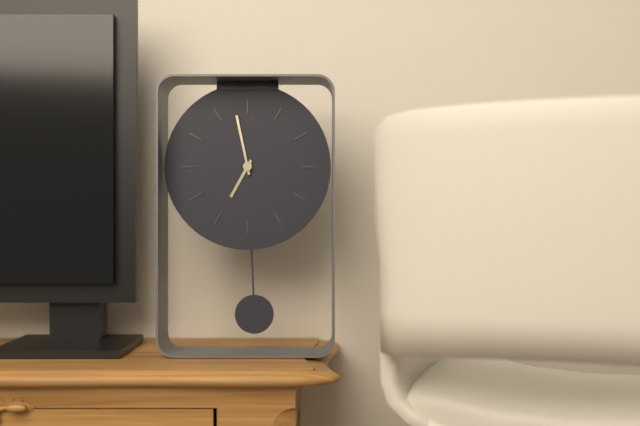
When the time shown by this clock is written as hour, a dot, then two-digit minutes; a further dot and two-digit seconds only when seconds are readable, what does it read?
6.58
